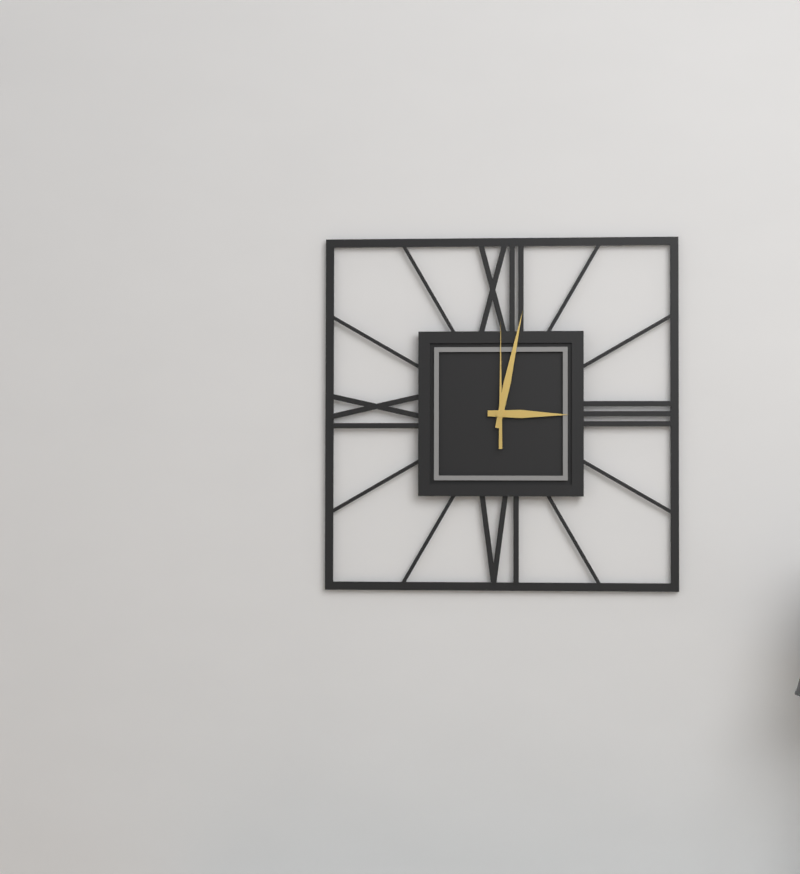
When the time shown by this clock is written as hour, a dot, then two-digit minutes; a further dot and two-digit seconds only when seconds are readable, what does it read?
3.02.00
